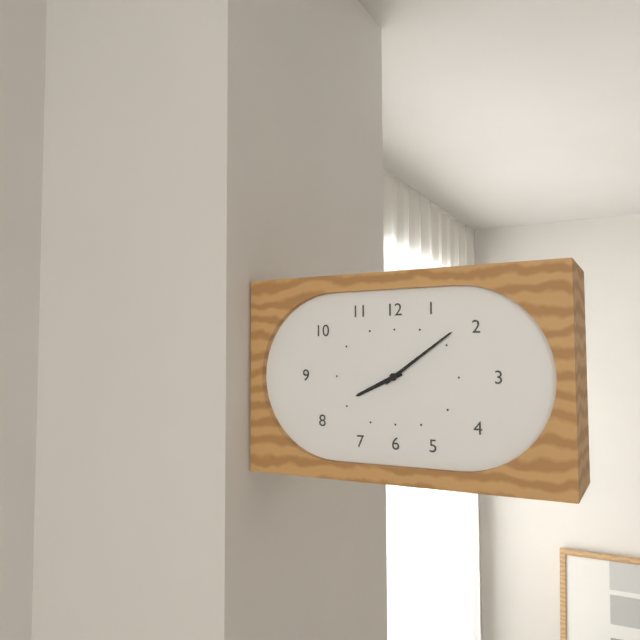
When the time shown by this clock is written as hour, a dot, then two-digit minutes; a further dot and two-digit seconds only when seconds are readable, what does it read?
8.09
